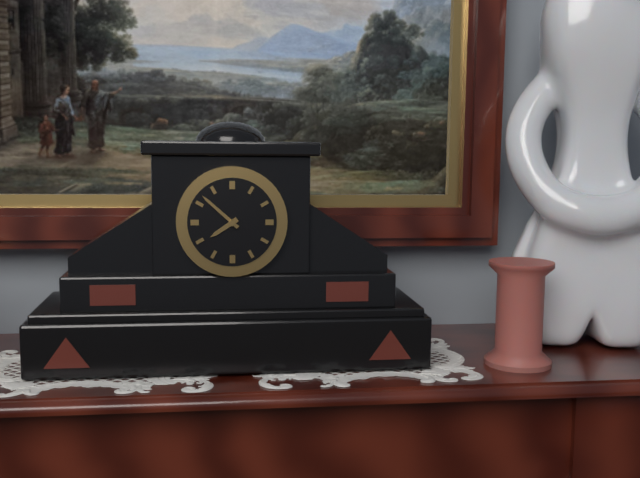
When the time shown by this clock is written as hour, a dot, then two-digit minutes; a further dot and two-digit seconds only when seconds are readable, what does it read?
7.52
